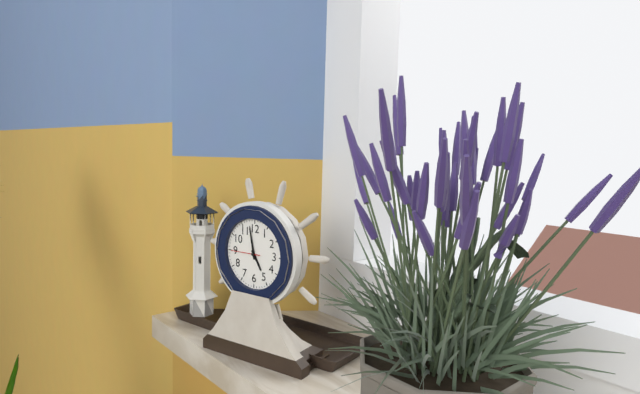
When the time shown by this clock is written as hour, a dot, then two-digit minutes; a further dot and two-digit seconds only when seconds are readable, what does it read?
4.58
